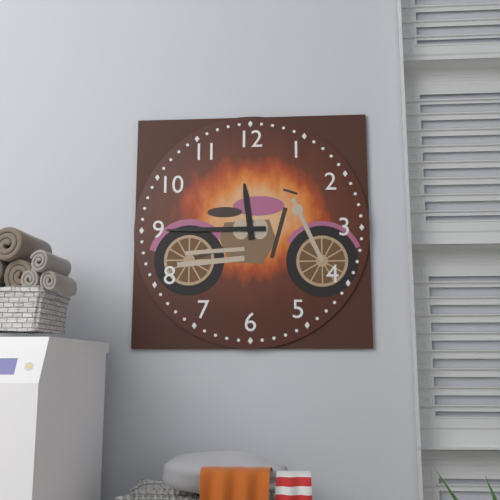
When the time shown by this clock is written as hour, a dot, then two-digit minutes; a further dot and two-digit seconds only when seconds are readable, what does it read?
11.45
